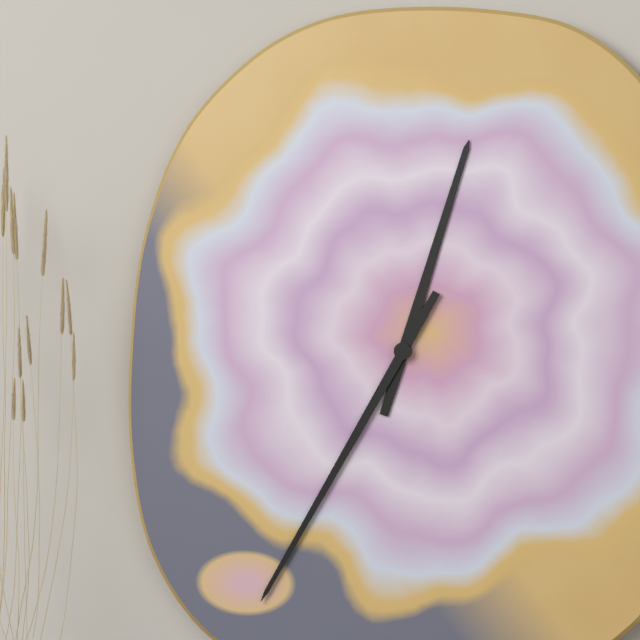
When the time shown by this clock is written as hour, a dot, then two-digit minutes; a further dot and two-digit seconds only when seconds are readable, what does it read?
12.35
